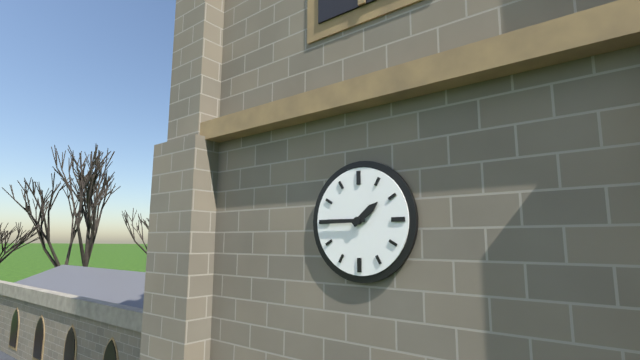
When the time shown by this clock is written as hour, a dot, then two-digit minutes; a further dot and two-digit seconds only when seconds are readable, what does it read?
1.45
